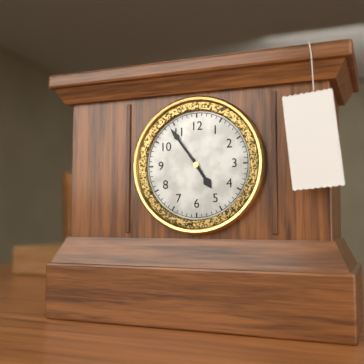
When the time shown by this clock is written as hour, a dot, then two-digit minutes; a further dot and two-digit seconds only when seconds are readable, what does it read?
4.54
